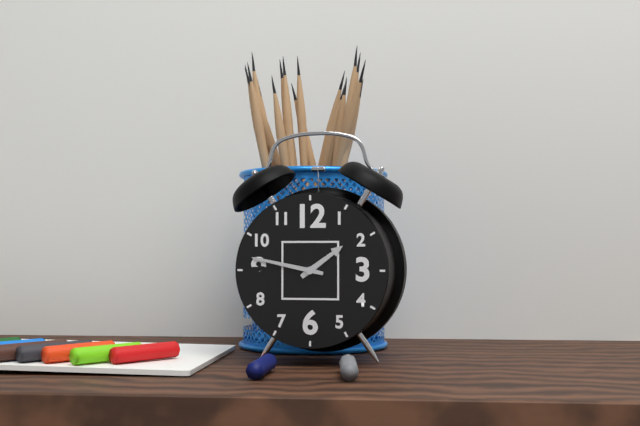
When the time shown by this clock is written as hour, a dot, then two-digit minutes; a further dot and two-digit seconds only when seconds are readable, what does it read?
1.47
